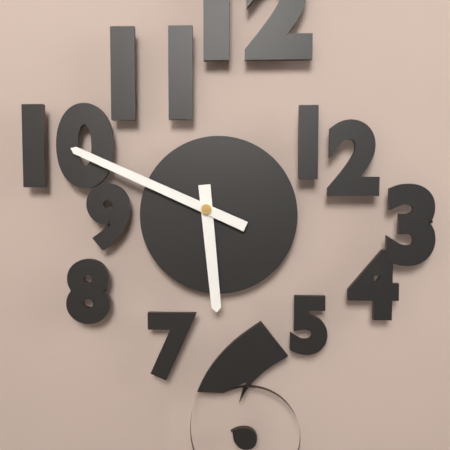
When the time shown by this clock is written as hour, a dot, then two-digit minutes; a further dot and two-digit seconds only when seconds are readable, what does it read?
5.49
